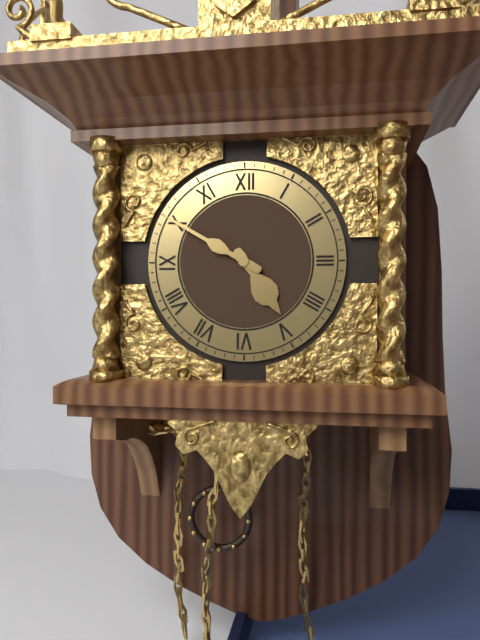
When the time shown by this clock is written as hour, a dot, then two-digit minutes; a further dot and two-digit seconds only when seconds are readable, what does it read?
4.50
